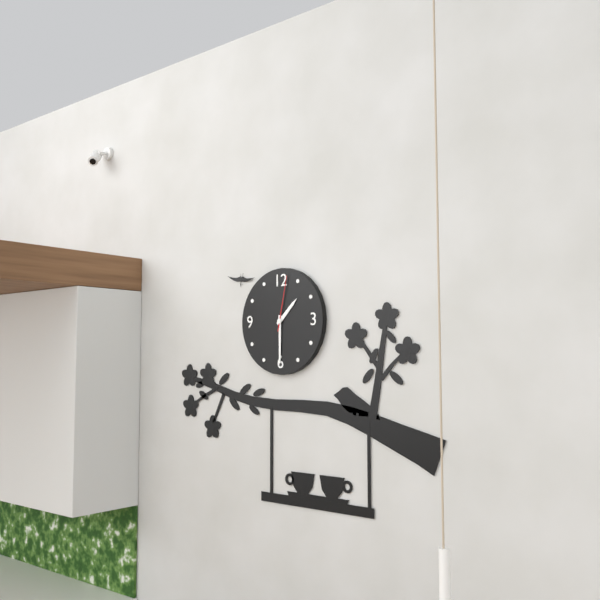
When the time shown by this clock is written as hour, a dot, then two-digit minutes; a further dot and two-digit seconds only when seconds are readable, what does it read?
1.30.02
